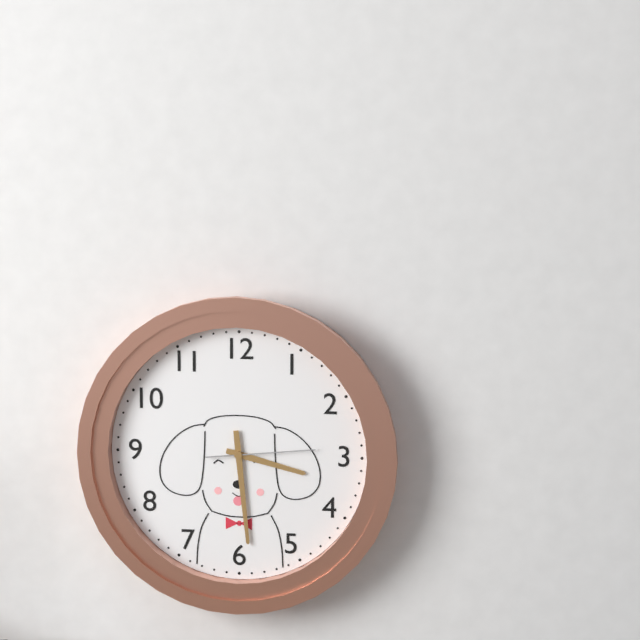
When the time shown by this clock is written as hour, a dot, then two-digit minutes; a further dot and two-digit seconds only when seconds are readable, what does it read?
3.29.14
